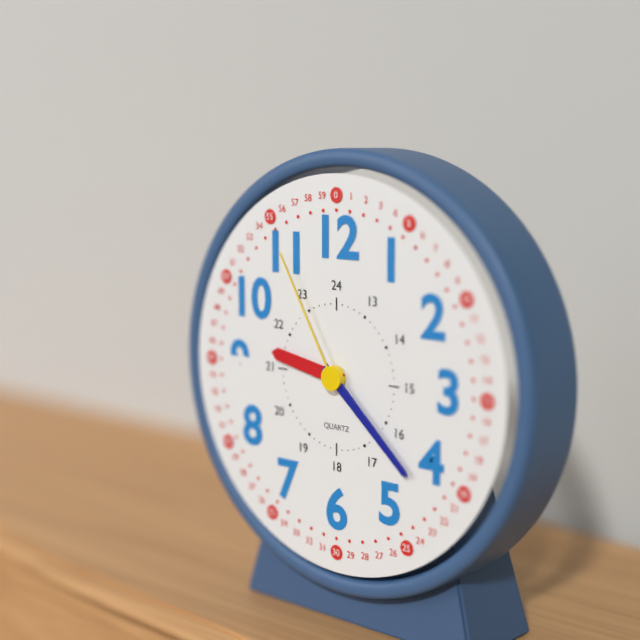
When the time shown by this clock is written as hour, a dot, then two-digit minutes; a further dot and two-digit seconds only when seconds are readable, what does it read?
9.22.55
